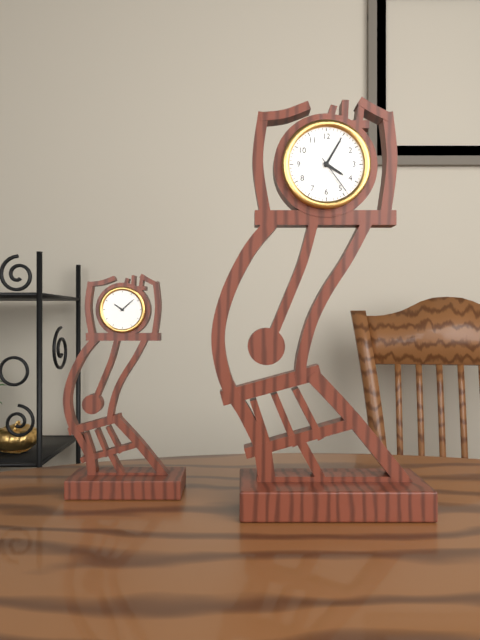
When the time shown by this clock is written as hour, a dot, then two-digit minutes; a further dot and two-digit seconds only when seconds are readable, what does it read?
4.05
